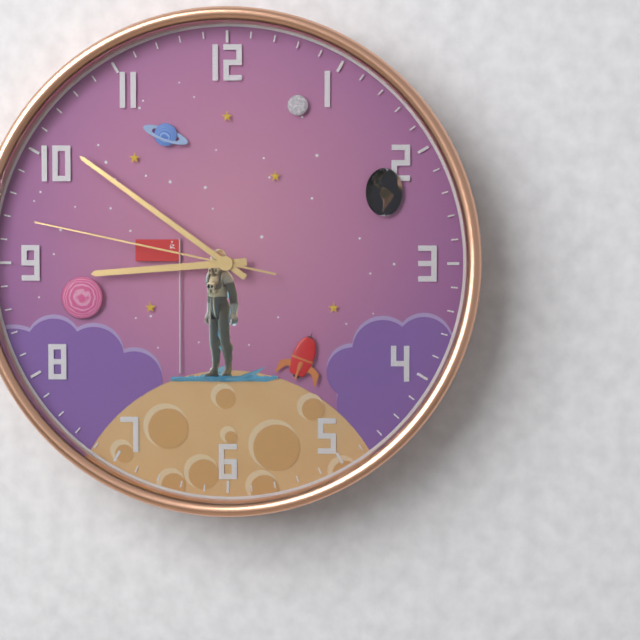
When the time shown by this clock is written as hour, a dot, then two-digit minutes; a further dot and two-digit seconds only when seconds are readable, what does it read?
8.51.47
